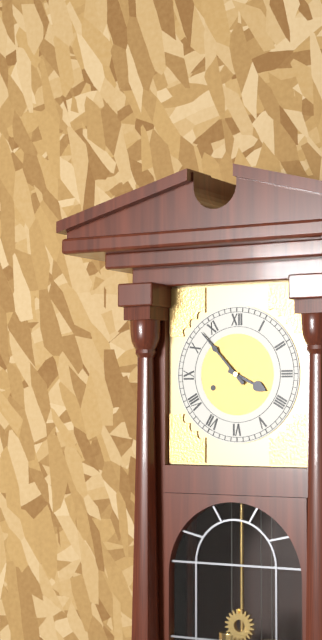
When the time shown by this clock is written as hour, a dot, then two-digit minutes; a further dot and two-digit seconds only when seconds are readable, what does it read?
3.53
